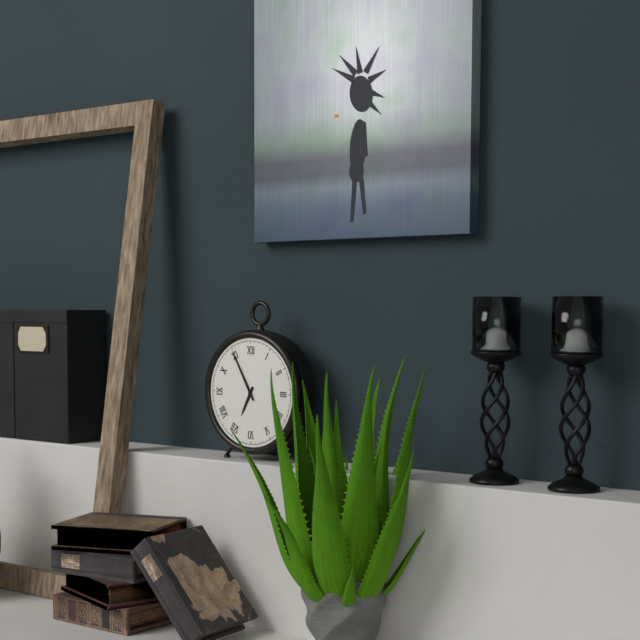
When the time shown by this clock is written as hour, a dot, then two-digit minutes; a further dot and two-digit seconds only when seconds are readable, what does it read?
6.55
